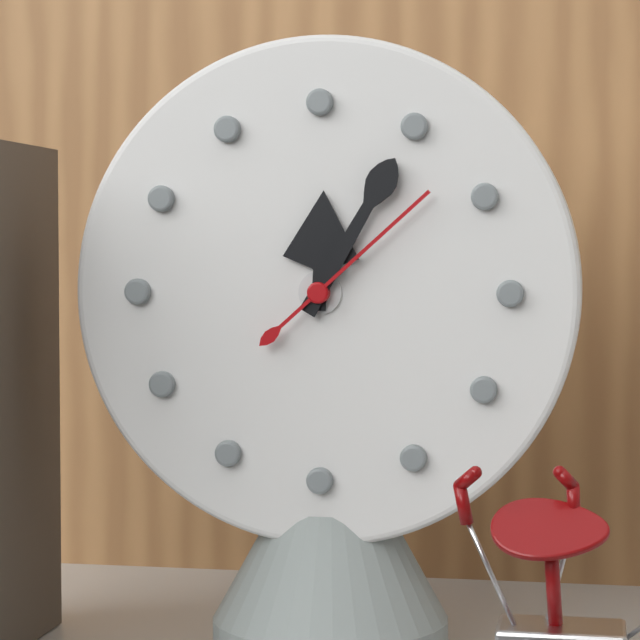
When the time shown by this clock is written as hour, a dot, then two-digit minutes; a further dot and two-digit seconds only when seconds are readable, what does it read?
12.05.08
